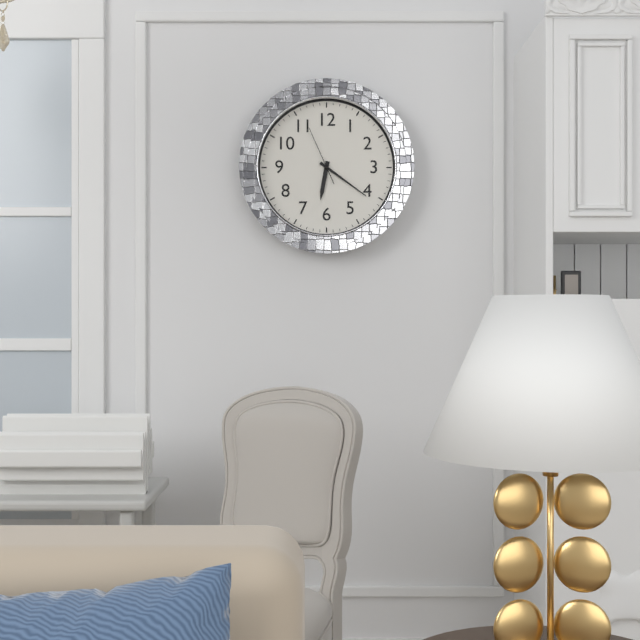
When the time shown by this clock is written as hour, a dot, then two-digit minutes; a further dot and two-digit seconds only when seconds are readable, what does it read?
6.21.56
